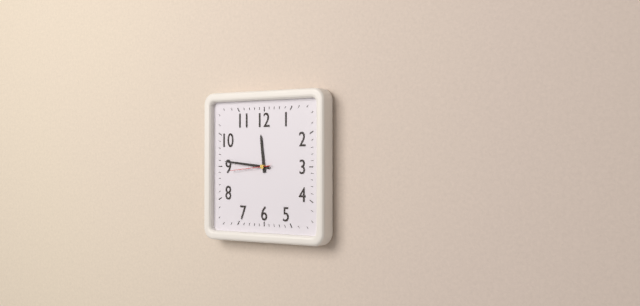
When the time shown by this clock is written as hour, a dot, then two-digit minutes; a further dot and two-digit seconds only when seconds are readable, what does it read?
11.46
